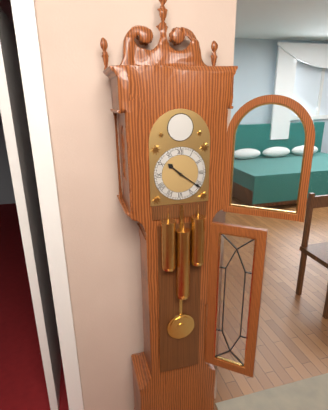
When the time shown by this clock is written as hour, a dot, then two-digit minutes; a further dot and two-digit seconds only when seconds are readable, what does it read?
10.21
